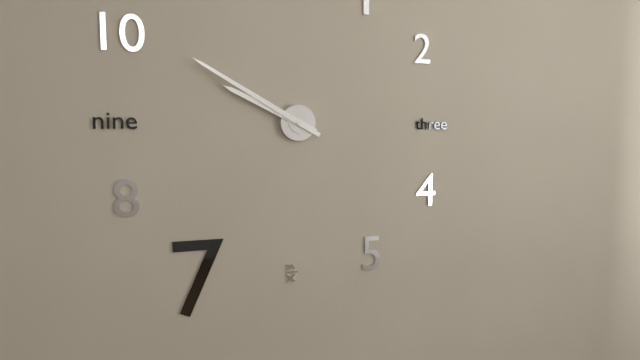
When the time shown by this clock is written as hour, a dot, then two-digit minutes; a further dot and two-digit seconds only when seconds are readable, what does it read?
9.50
